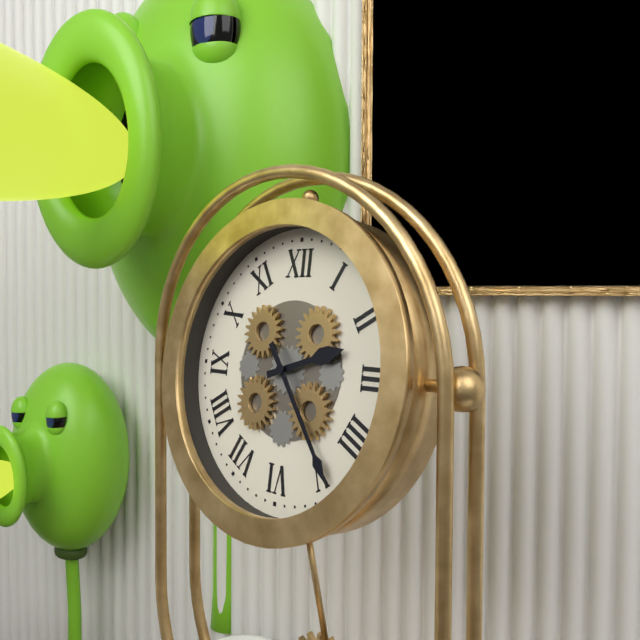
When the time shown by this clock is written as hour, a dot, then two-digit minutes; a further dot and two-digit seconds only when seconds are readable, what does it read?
2.24
